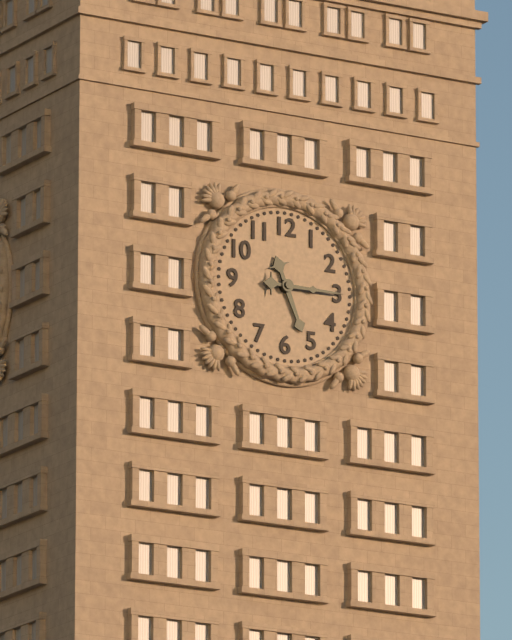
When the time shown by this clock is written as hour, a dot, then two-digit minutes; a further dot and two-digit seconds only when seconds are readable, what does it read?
5.15
